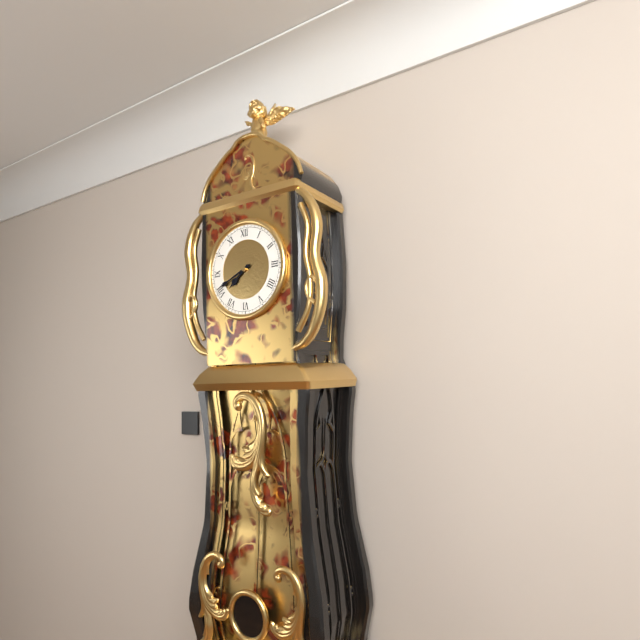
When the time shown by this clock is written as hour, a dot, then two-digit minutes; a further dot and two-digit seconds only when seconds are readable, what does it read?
7.41
